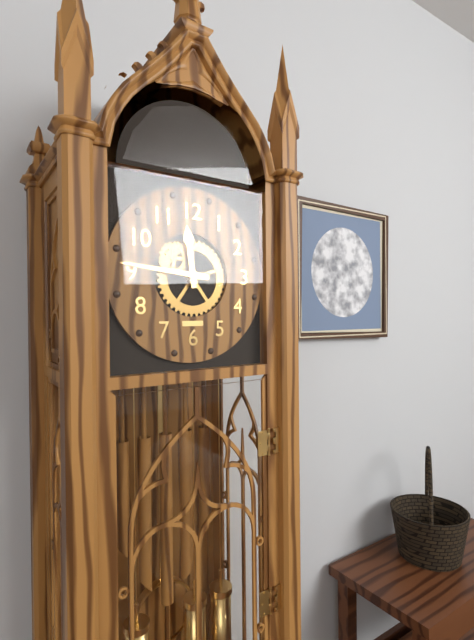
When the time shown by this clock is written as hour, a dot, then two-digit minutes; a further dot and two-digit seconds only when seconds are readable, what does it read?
11.46
